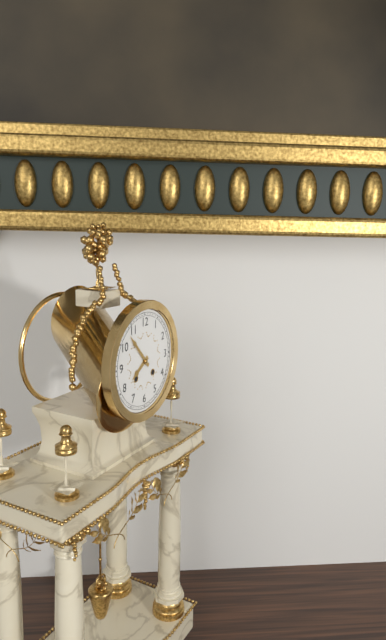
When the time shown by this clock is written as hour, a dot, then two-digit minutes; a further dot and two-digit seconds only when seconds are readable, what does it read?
7.53
